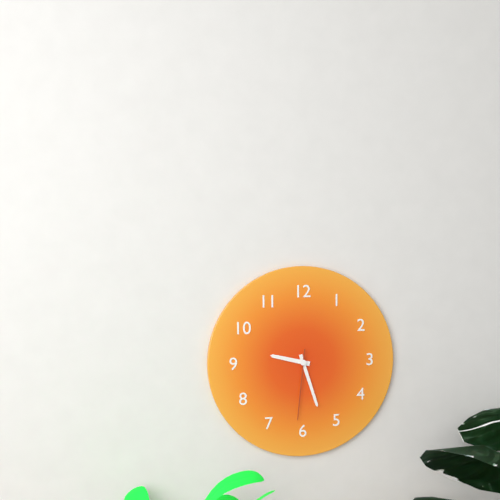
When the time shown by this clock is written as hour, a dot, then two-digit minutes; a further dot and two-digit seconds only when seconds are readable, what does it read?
9.27.31
